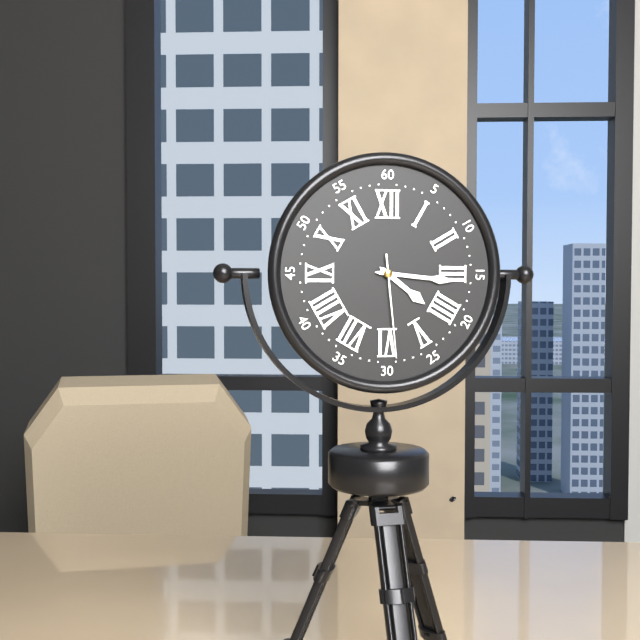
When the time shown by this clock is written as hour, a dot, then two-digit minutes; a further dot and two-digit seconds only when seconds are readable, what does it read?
4.16.29
